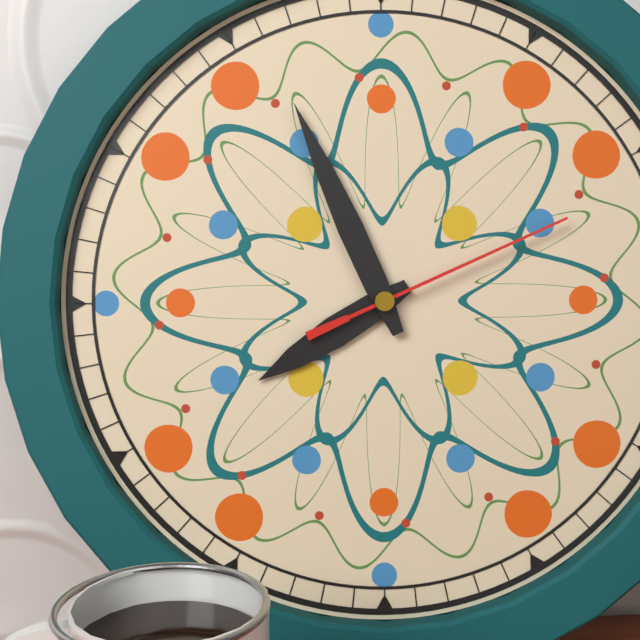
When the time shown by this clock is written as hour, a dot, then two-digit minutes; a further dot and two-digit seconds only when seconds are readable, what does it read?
7.56.11
